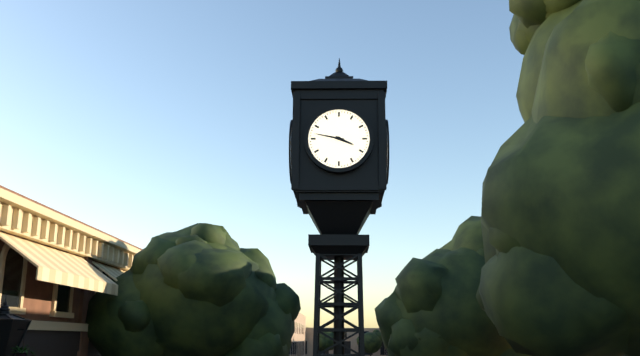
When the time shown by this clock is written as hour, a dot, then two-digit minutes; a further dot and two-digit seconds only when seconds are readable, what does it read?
3.47
